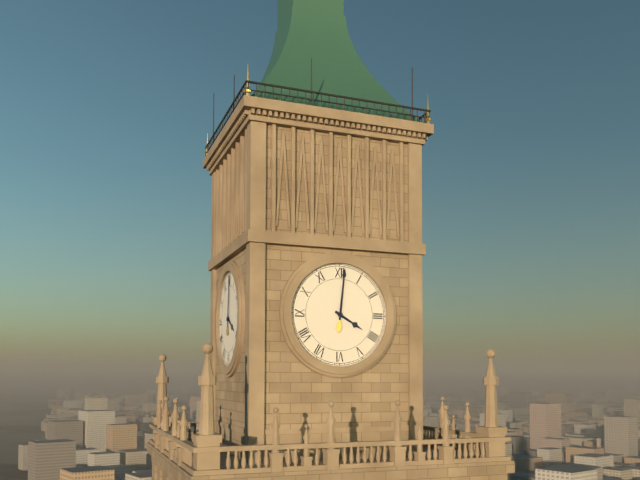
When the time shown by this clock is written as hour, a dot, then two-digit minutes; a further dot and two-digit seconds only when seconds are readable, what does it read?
4.01
